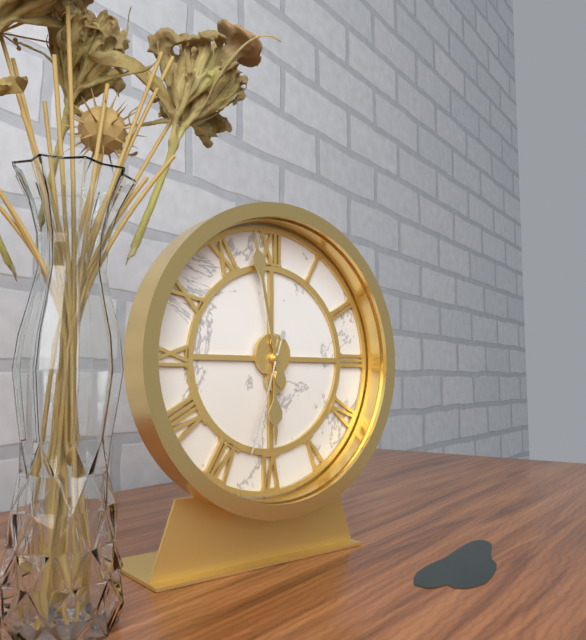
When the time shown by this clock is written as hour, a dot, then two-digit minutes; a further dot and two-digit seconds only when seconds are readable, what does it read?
5.58.33
